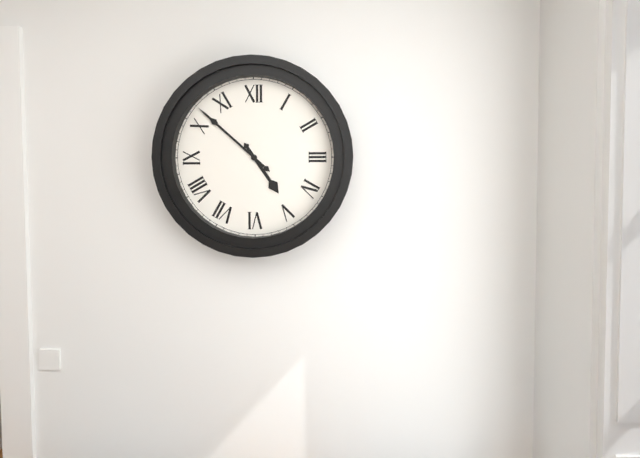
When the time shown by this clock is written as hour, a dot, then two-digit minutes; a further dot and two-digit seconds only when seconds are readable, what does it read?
4.52
